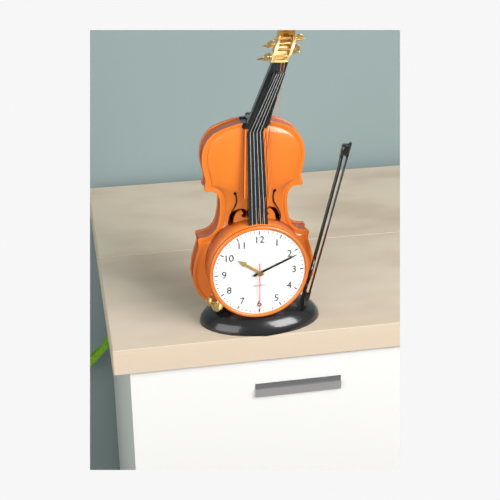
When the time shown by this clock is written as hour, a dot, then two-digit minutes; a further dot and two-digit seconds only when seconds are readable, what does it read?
10.11
